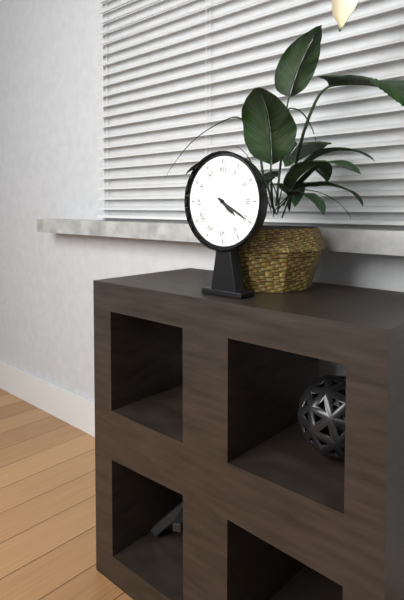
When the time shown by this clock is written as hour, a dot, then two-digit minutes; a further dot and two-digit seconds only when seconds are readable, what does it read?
4.20
